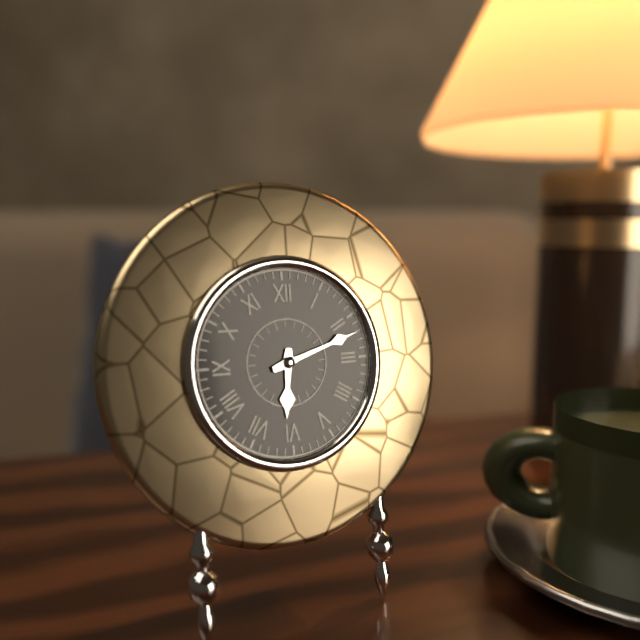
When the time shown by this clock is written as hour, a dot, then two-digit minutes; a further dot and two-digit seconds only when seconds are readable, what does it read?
6.12
